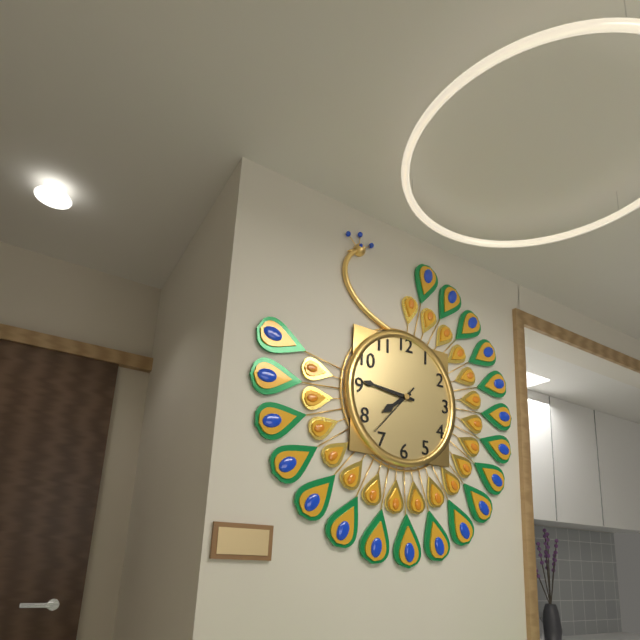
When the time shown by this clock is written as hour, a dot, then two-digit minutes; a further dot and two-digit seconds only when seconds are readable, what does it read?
7.46.37
